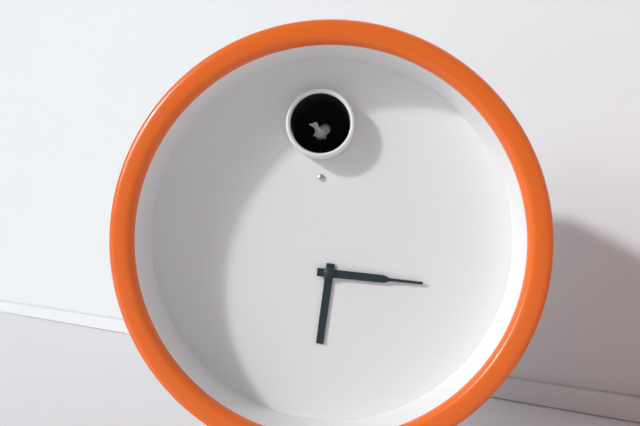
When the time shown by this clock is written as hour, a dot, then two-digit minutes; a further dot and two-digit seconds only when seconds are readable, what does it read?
6.16
